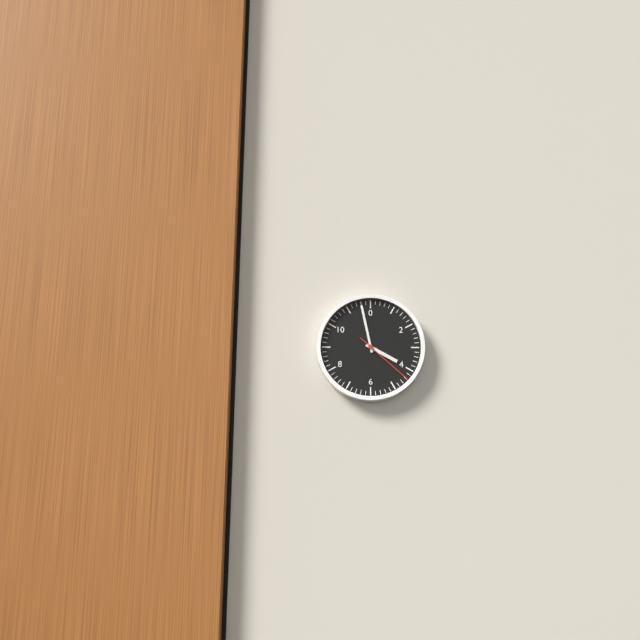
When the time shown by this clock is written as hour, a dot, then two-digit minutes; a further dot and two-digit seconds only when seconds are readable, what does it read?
3.58.22
